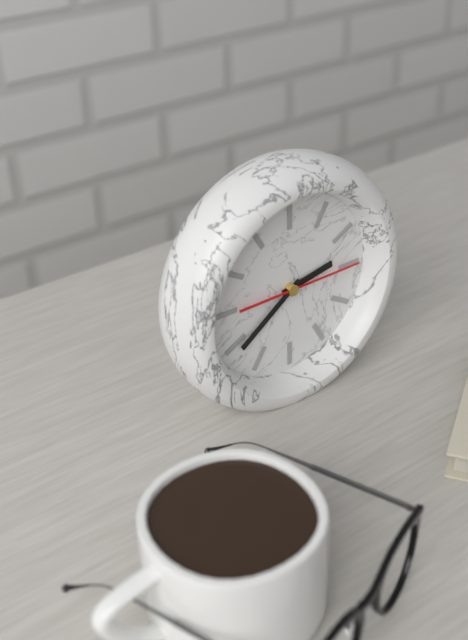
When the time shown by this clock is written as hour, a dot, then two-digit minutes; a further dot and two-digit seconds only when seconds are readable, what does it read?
2.39.15
